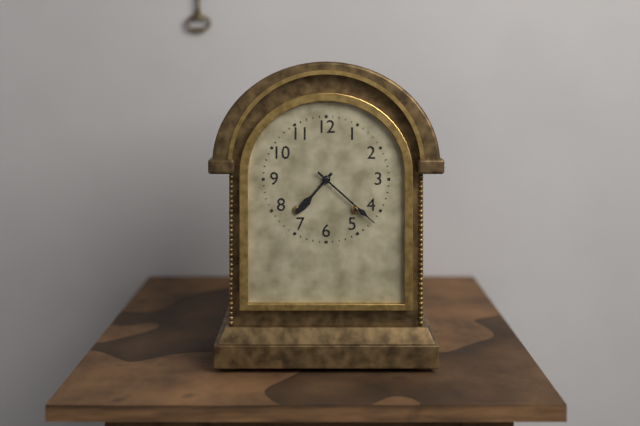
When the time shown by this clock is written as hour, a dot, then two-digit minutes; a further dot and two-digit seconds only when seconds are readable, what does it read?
7.22
